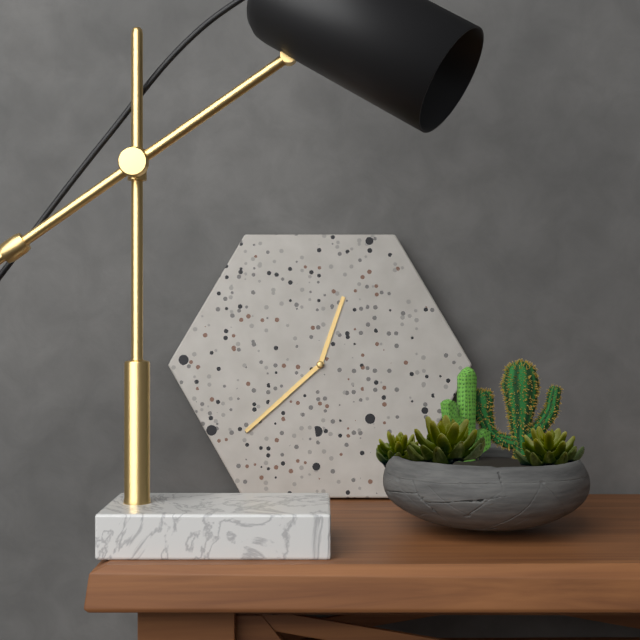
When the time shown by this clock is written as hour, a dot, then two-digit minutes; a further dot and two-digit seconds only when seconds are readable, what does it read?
12.38
